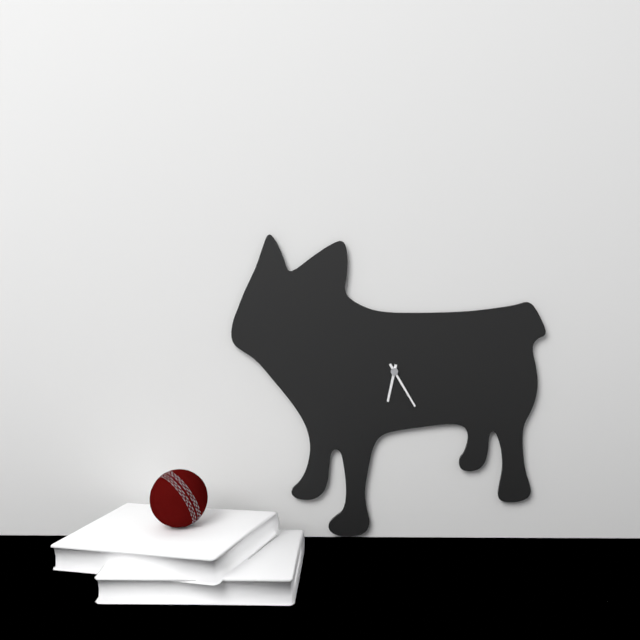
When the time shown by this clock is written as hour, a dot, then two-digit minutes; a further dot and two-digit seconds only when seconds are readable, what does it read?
6.25
